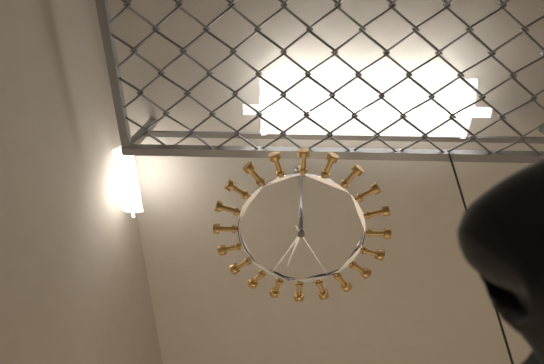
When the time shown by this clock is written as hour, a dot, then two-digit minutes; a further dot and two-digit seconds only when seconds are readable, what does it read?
6.35.25
